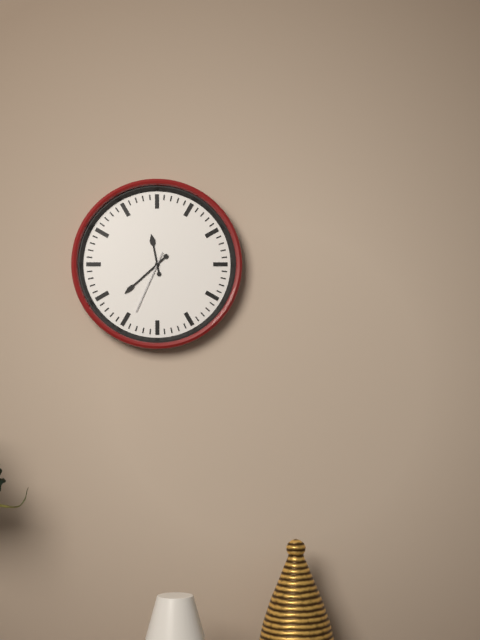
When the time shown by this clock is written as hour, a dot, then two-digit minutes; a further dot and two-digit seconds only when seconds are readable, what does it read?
11.38.34
